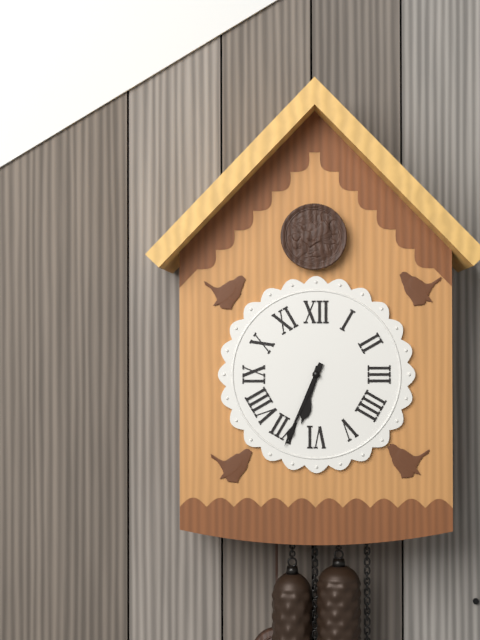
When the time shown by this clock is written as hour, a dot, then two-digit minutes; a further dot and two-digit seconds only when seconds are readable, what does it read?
6.34
